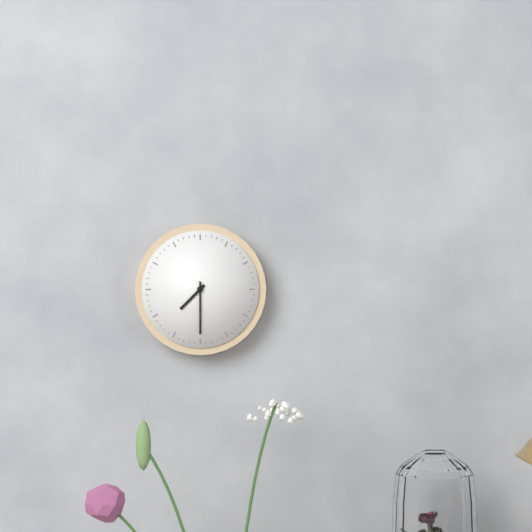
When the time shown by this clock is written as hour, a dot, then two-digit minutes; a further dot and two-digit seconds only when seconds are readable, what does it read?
7.30
